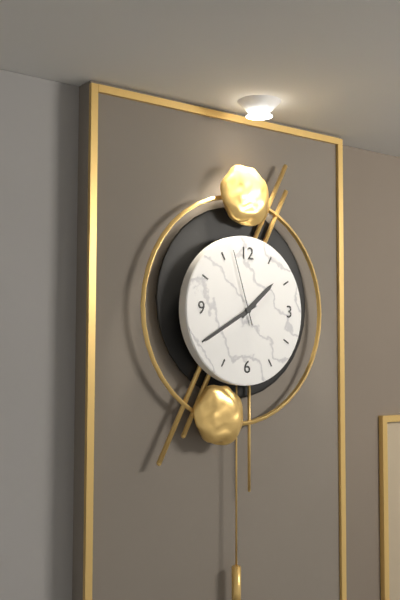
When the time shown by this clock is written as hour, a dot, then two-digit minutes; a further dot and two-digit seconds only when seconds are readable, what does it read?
1.40.57
